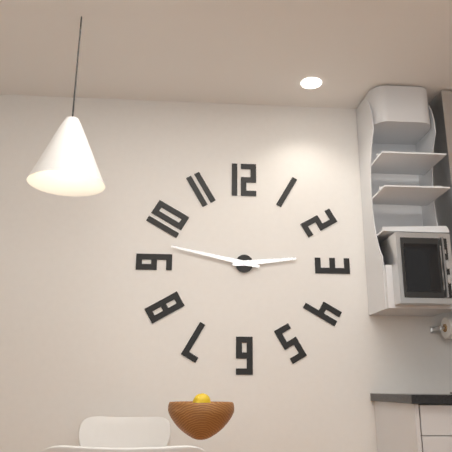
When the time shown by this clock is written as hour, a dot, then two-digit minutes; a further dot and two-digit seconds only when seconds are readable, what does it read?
2.47
